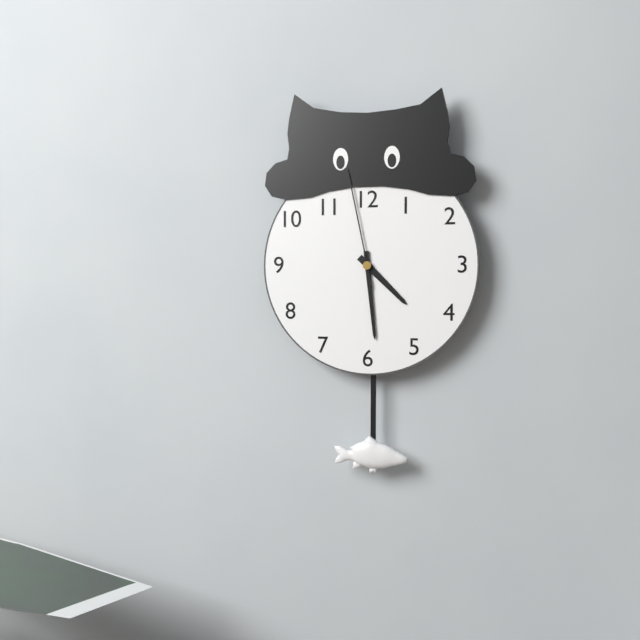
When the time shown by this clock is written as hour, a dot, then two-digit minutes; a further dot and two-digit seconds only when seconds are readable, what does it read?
4.29.58
